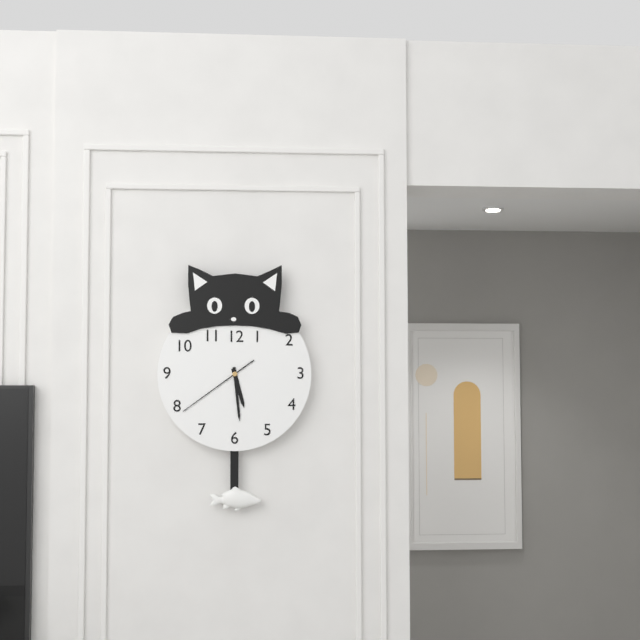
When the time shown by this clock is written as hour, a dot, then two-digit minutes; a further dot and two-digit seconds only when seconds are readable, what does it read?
5.29.39
